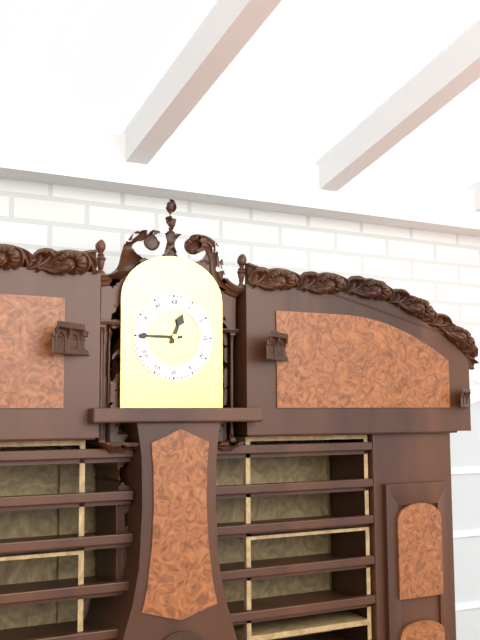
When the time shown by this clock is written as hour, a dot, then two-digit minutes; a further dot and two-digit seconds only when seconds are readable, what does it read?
12.45
